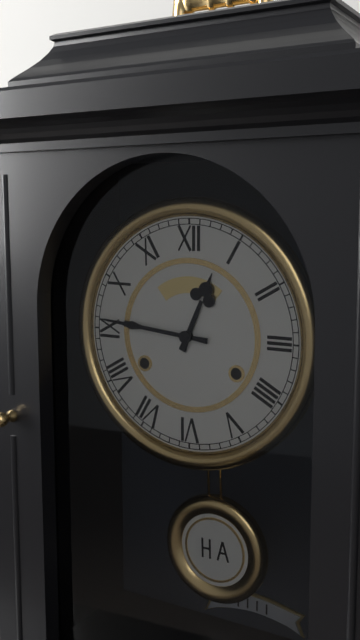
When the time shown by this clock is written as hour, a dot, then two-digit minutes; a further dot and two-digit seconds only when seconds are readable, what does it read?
12.46
